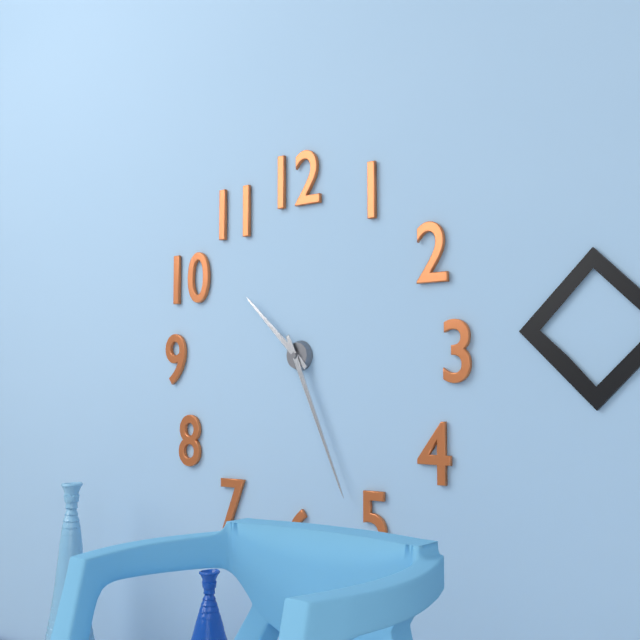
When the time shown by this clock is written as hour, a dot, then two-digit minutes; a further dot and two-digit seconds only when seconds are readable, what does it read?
10.26
